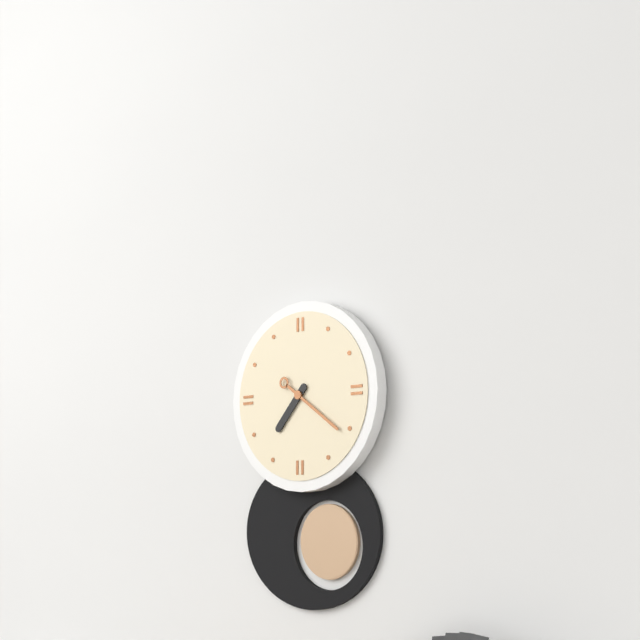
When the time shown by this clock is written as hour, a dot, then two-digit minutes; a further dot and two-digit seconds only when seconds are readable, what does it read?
7.21
